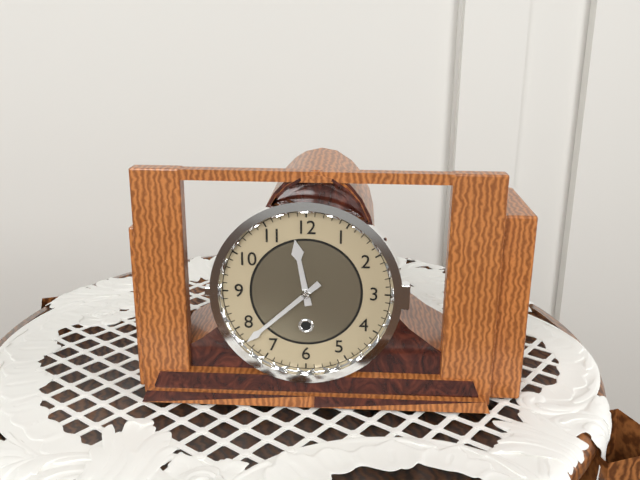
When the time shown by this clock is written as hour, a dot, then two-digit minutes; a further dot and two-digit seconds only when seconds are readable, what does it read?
11.38
